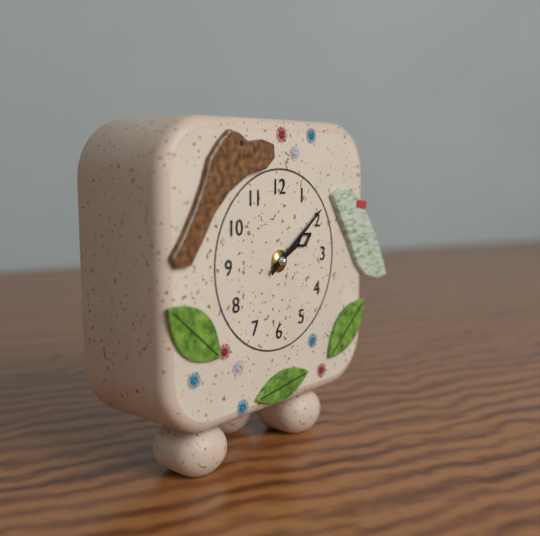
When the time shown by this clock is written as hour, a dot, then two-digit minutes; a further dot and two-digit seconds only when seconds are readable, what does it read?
2.09
